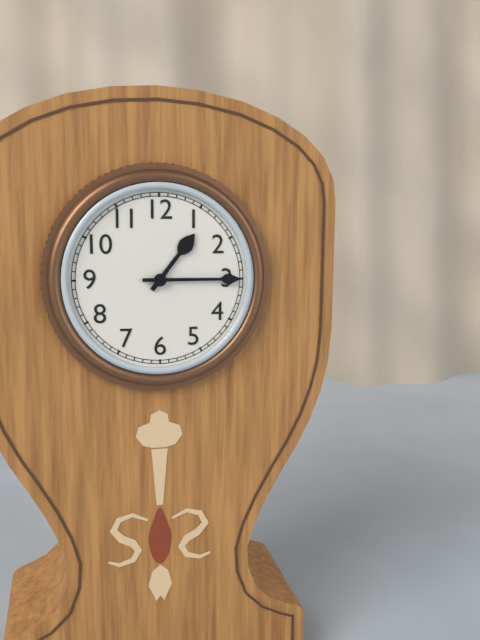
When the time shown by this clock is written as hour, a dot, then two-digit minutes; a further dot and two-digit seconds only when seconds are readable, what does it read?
1.15
